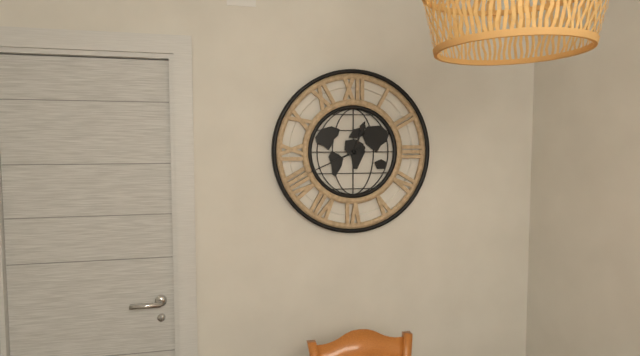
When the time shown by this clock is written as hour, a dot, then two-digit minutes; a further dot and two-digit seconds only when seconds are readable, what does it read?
12.41
